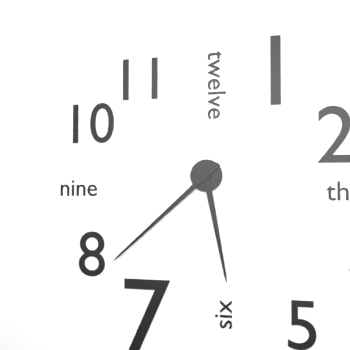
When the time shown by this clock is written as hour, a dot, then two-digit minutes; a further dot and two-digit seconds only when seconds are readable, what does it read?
5.38
